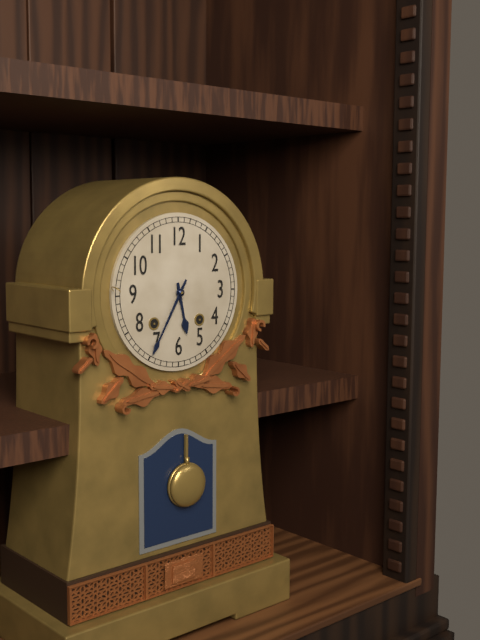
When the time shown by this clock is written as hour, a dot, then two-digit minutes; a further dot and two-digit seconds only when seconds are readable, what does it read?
5.35
